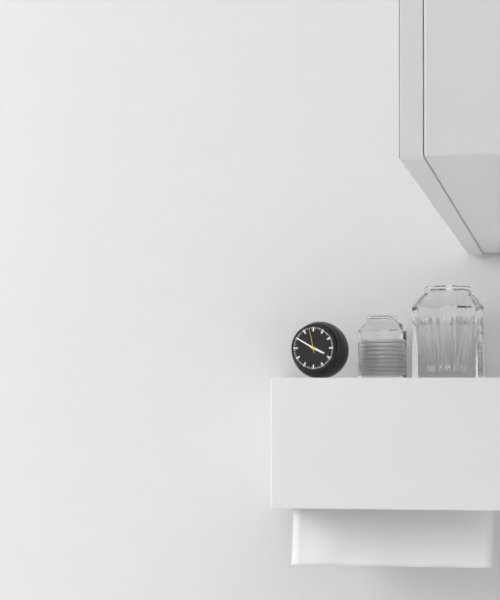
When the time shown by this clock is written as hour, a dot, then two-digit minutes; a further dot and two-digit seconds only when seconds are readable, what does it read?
3.50
